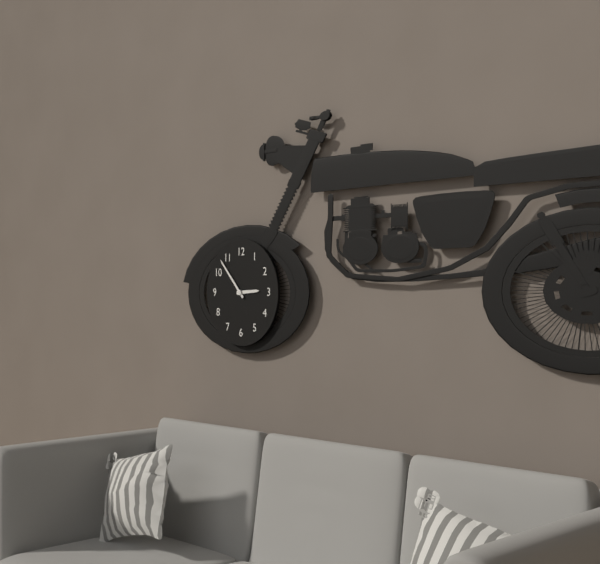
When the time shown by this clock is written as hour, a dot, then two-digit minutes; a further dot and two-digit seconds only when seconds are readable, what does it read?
2.53
